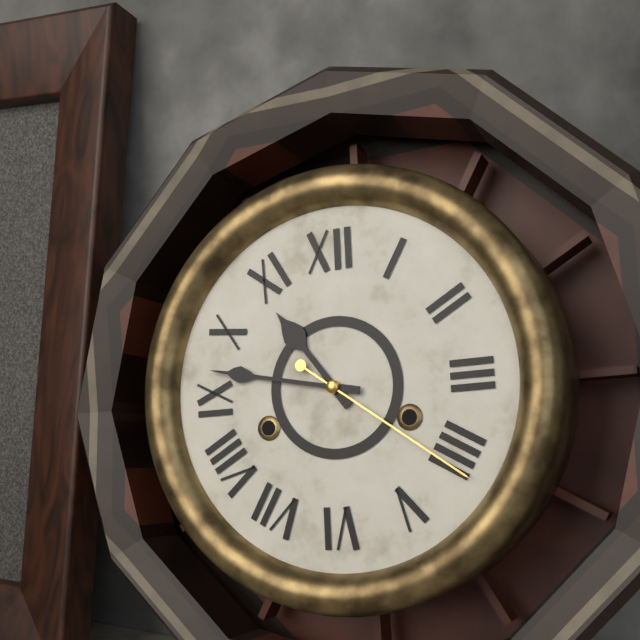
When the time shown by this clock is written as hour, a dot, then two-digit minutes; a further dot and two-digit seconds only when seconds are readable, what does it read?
10.47.21
